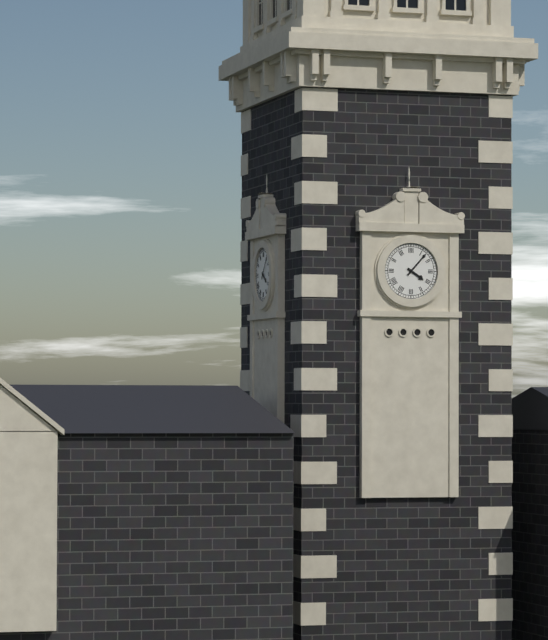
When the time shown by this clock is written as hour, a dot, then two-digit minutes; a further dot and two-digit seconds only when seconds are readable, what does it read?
4.07
